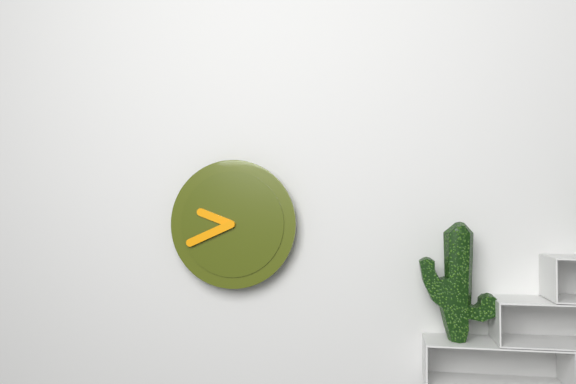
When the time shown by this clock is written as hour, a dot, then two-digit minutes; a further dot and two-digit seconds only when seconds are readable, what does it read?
9.41
